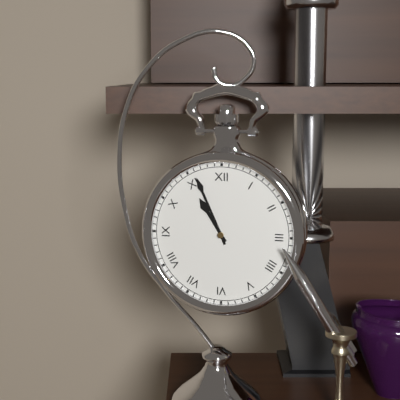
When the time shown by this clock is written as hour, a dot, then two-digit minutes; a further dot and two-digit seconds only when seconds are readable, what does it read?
10.56
